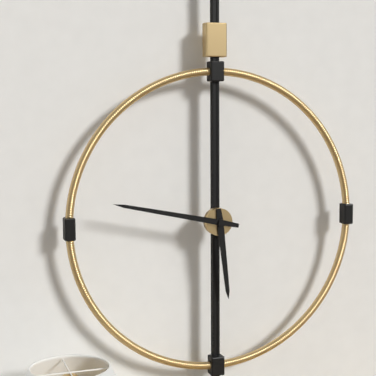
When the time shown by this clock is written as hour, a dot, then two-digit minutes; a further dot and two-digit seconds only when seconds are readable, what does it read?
5.47
